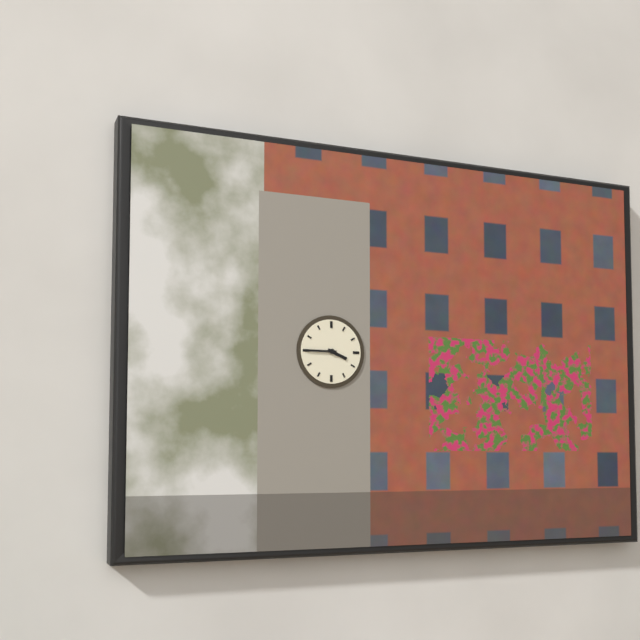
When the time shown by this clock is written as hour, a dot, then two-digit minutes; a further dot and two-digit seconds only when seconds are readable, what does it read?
3.45
